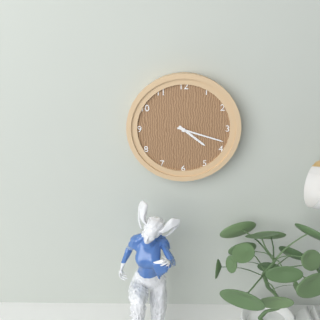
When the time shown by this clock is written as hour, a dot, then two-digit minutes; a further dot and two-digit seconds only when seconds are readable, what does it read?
4.18
